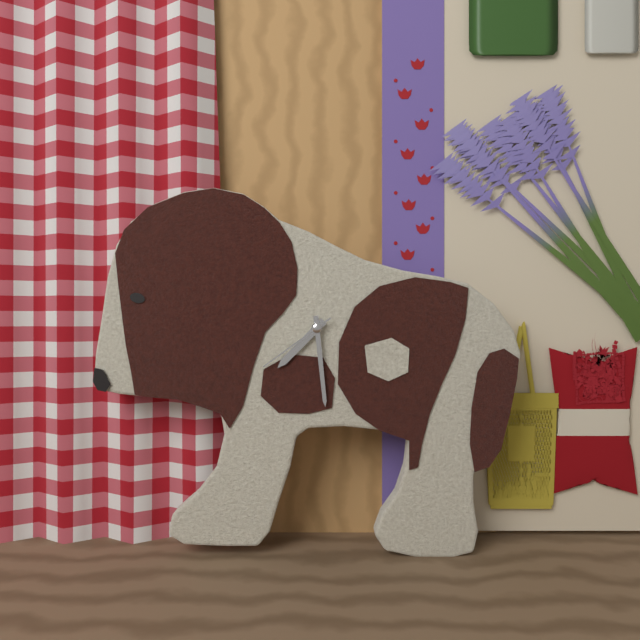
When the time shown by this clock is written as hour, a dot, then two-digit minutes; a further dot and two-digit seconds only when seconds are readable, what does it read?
7.29.39
